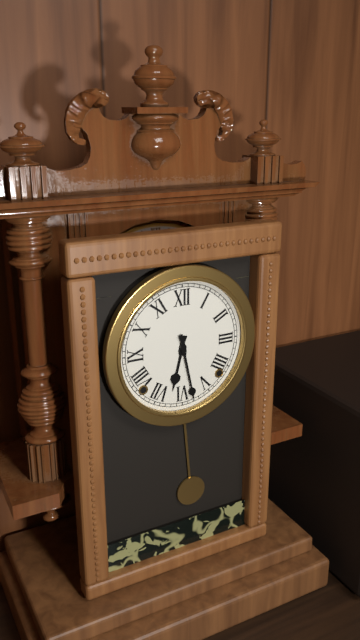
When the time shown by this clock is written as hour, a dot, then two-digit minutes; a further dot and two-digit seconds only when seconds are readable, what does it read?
6.28
